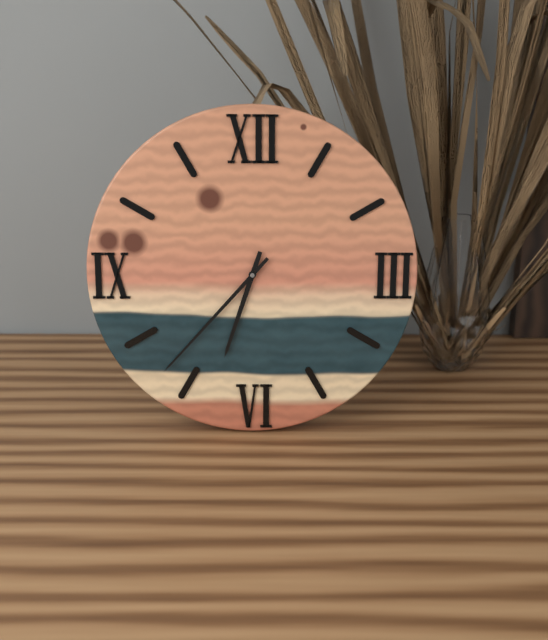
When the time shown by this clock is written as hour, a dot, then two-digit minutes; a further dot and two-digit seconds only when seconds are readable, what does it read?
6.37
